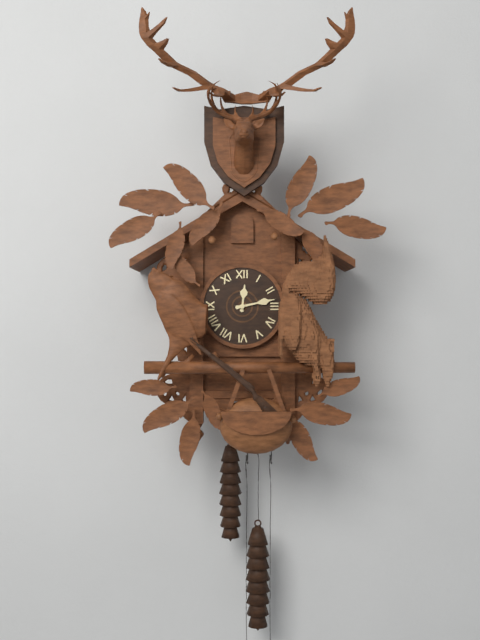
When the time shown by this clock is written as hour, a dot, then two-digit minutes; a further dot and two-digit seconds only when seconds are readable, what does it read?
12.13
